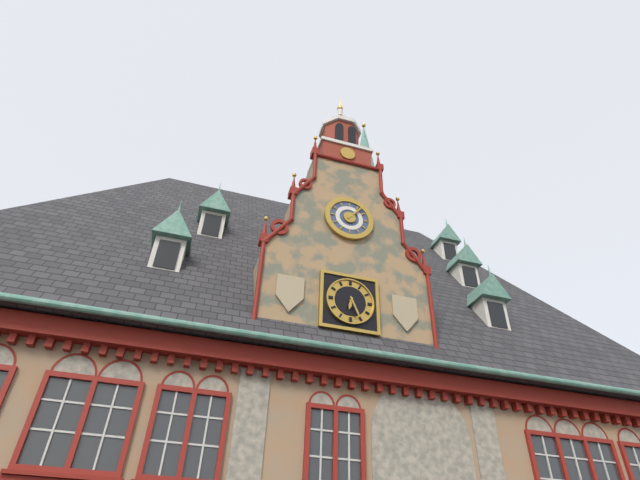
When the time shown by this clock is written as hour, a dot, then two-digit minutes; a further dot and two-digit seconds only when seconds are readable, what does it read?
6.26
